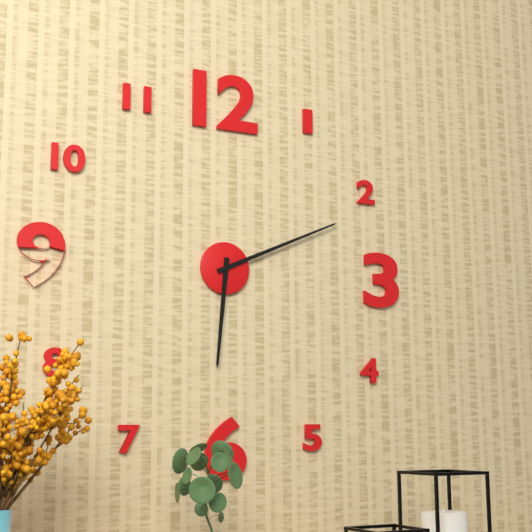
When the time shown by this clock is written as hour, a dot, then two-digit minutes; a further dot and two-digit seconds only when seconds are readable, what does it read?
6.11
